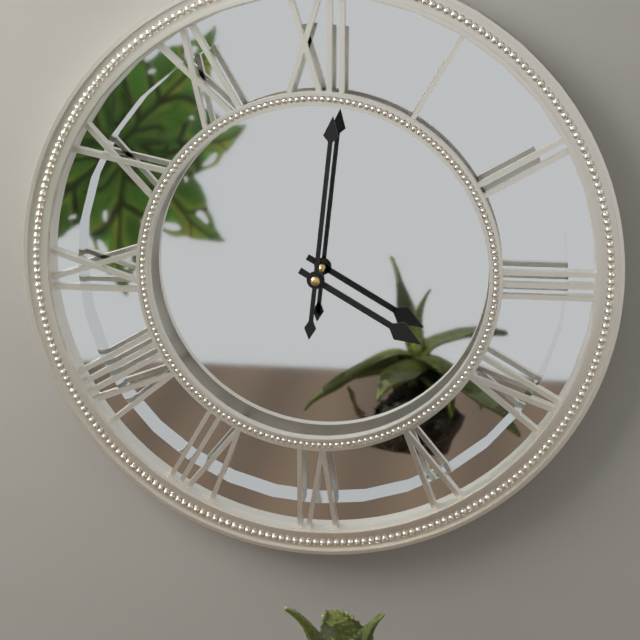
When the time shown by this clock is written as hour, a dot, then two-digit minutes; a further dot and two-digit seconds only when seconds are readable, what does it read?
4.01
